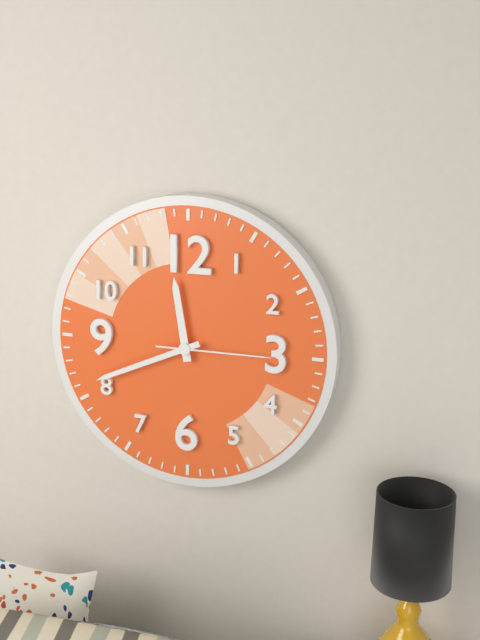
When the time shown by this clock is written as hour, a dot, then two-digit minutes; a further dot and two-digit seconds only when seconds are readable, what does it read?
11.41.15
